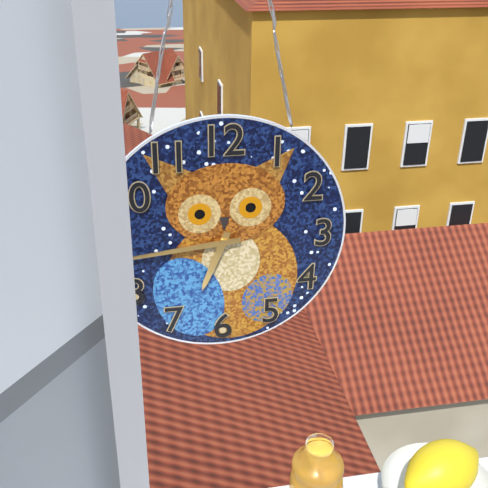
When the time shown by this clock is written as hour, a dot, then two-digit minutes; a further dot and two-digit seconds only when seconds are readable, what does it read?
6.44
